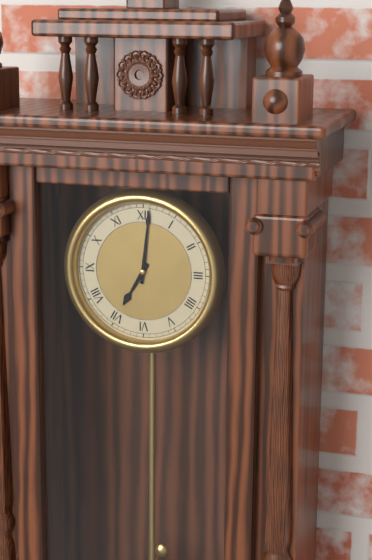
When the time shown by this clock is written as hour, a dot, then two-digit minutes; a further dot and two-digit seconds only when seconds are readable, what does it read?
7.01
